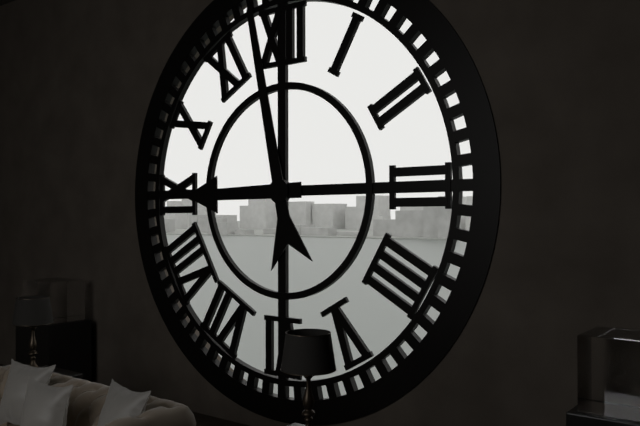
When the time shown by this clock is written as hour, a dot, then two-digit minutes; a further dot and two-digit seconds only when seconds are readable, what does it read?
8.58
